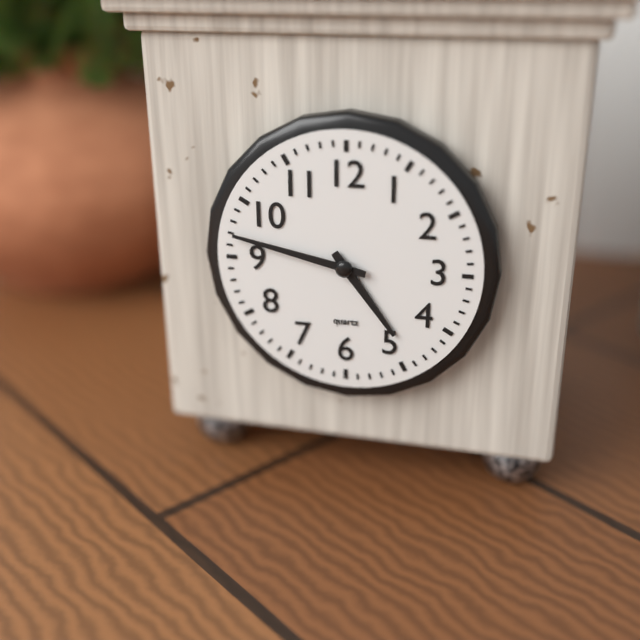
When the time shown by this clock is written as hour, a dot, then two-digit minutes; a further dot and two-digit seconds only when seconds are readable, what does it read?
4.47
